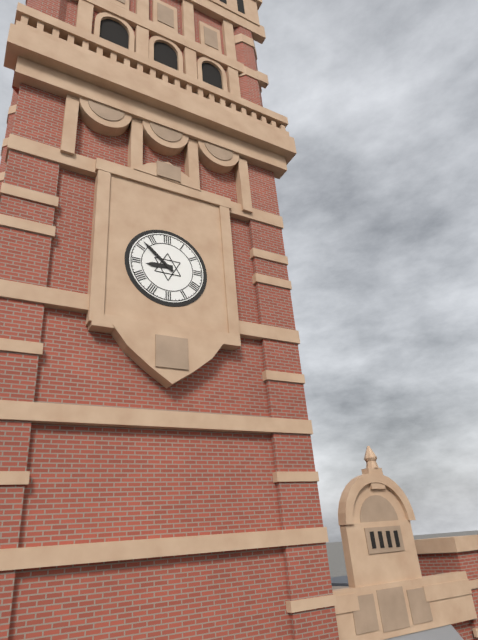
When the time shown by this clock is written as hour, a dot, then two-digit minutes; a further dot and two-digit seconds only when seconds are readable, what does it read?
8.52
